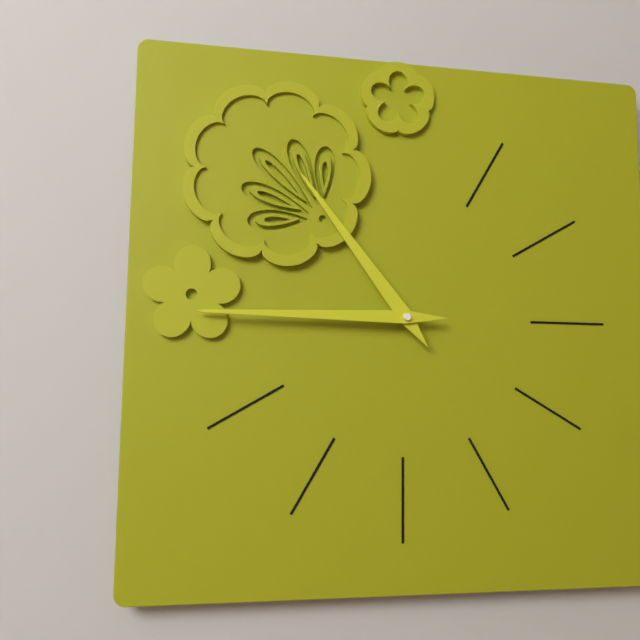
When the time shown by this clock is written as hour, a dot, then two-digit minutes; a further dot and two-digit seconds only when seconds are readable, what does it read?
10.45
